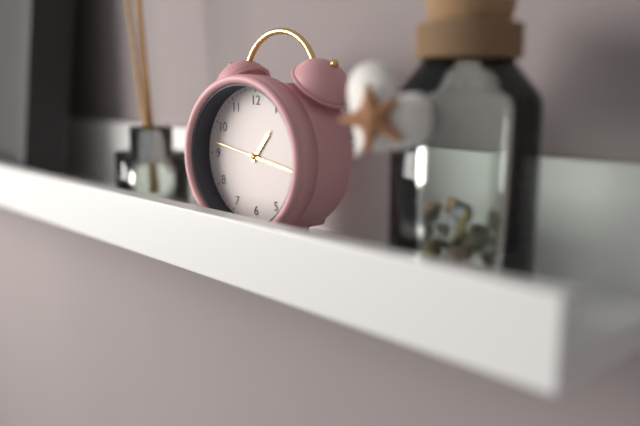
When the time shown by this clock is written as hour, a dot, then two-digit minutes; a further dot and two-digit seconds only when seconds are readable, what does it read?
1.17.47
